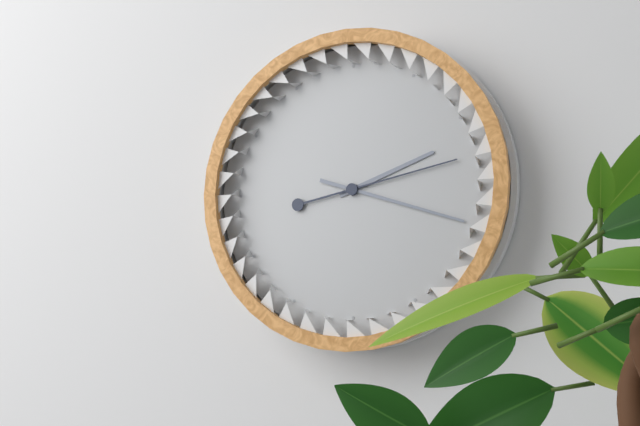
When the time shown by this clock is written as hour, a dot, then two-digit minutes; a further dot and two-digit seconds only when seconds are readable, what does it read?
2.18.13
